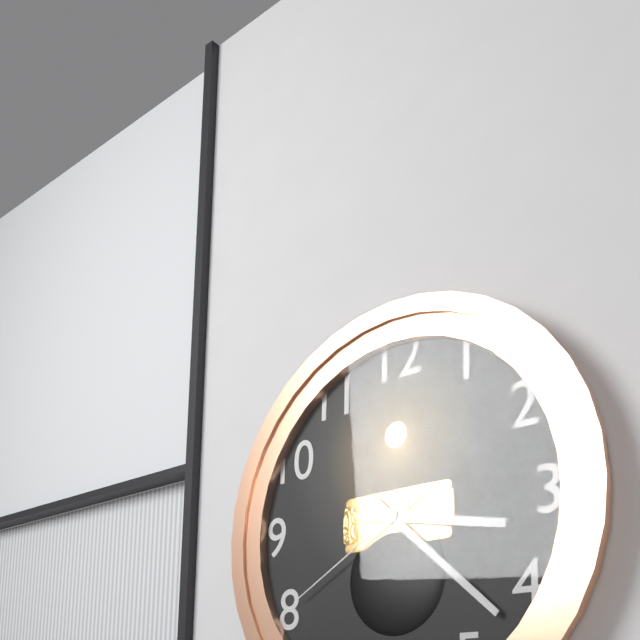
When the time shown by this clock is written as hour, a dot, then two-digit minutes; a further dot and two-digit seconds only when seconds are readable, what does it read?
3.22.40
